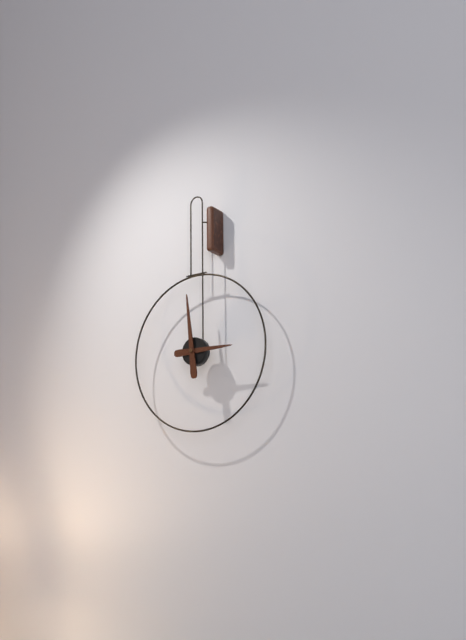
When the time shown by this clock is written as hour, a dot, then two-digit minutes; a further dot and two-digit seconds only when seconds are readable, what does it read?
2.59
